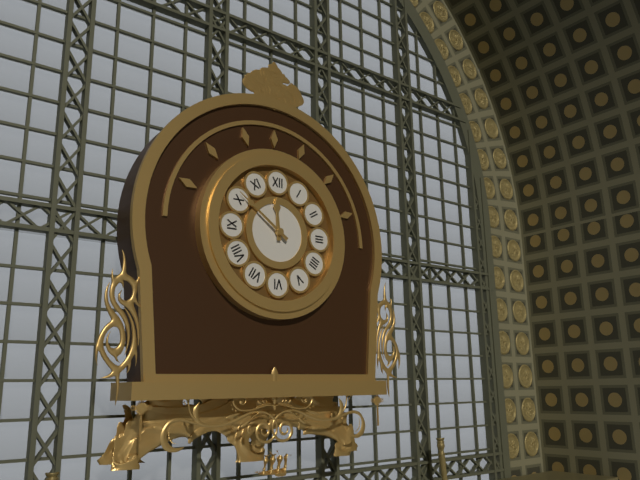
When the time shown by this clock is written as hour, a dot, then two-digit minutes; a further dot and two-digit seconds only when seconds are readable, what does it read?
11.51
